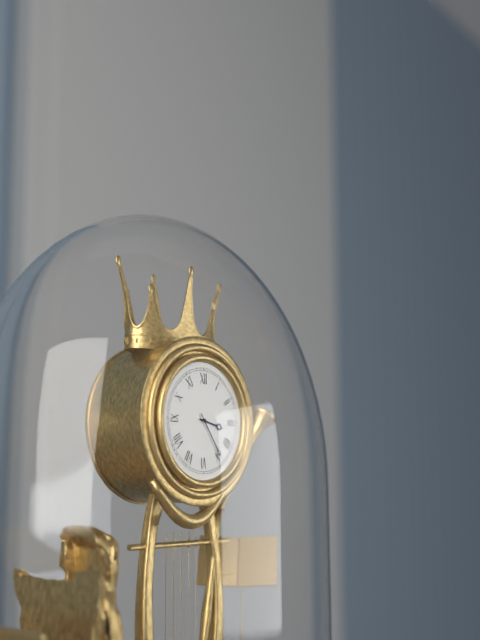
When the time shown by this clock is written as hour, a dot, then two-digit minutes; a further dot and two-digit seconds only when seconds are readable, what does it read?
3.24
